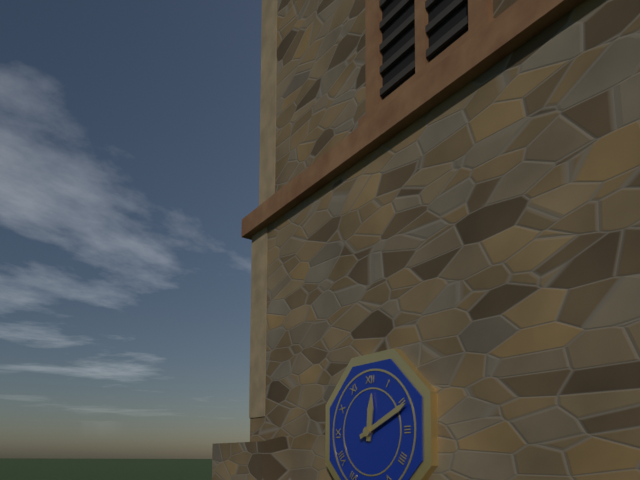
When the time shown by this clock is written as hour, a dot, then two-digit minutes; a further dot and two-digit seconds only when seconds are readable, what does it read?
12.11
